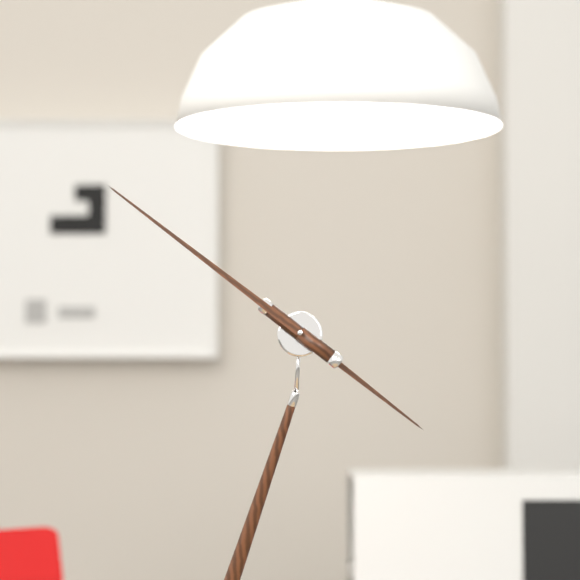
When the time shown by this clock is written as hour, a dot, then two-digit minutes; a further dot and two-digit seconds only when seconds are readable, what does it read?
3.49
